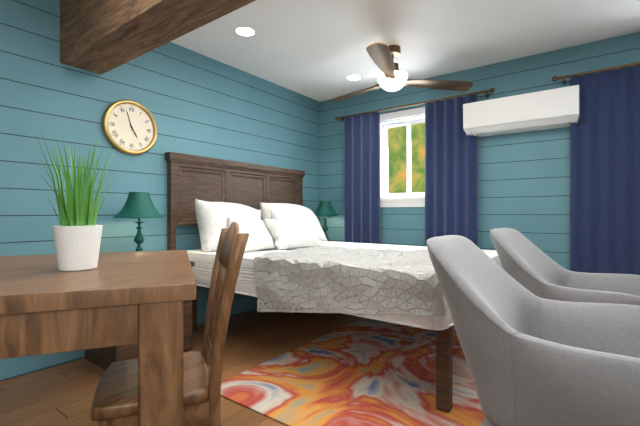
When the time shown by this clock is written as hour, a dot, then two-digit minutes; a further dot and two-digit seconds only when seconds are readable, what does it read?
4.57
